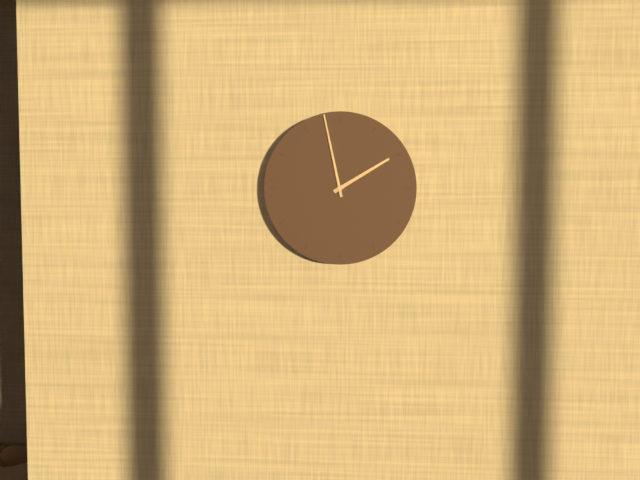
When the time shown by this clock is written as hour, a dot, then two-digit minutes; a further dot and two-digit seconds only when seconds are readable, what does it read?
1.58
